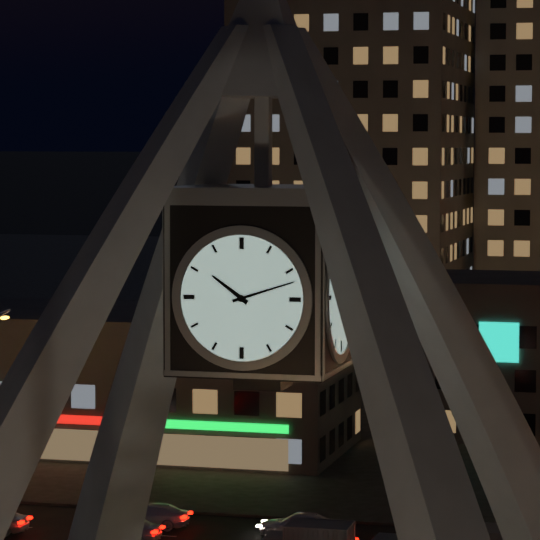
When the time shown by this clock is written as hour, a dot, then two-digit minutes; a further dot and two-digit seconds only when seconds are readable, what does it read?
10.12
